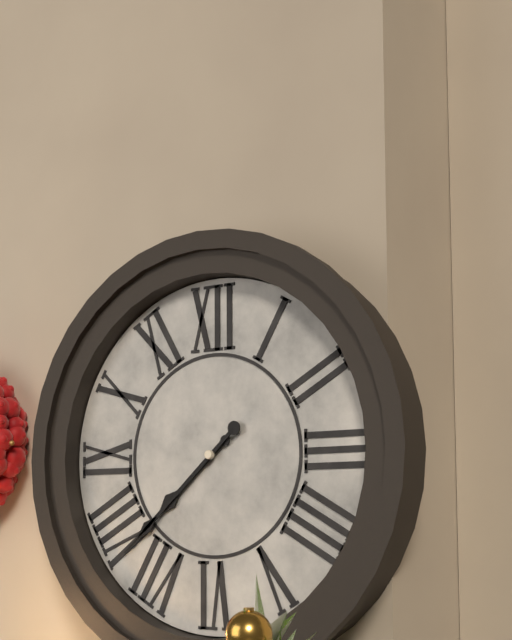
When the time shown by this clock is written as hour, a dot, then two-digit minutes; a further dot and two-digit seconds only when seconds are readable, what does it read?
7.38
